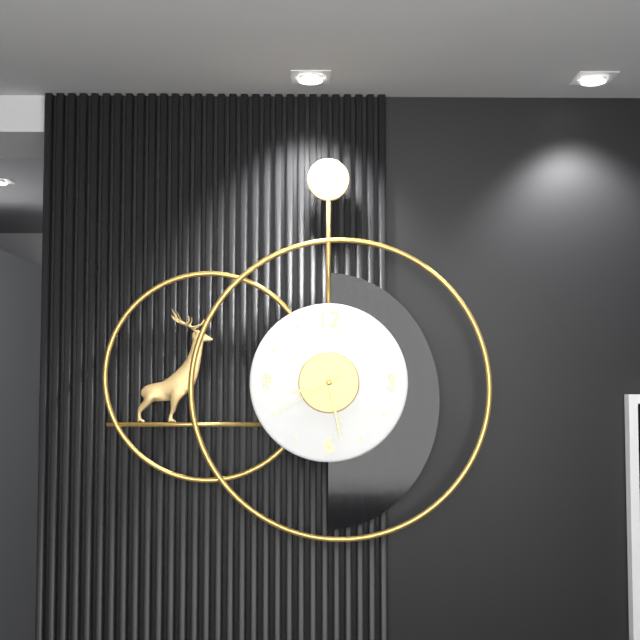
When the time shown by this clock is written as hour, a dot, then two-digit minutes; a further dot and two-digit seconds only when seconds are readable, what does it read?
8.28.40
